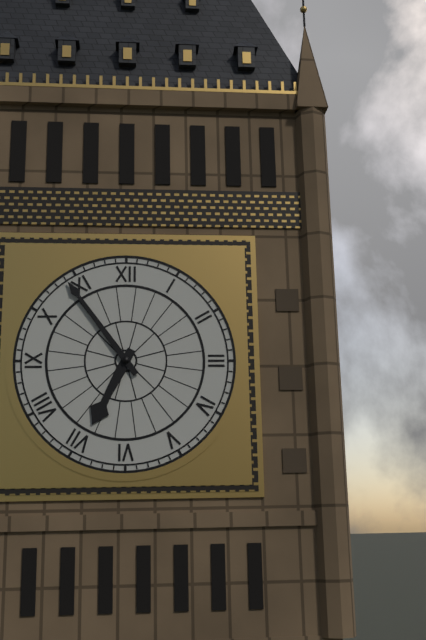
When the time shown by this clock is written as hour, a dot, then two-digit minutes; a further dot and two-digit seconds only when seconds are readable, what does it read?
6.54
